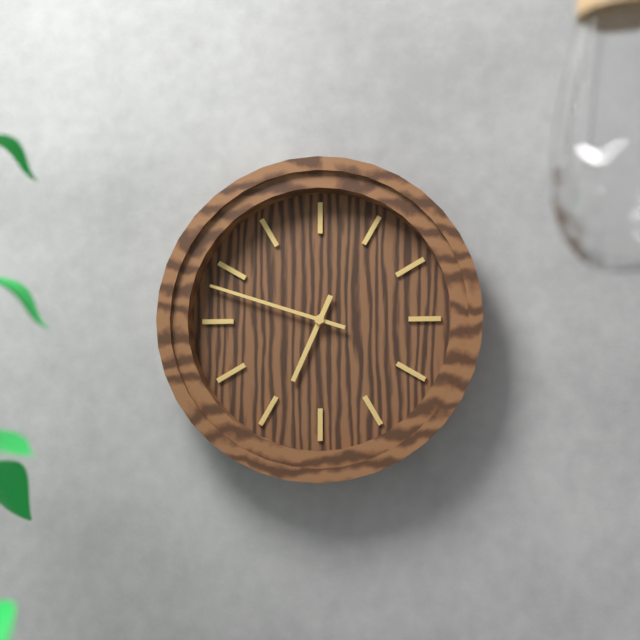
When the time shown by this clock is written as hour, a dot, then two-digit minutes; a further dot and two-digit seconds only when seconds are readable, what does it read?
6.48
